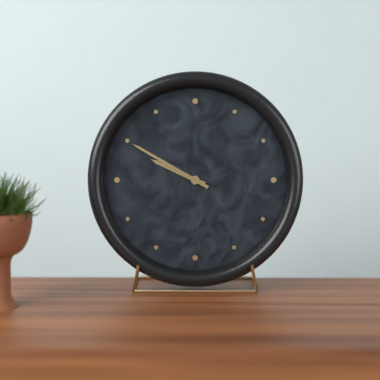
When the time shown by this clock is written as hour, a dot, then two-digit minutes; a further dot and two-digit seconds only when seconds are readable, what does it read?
9.50
